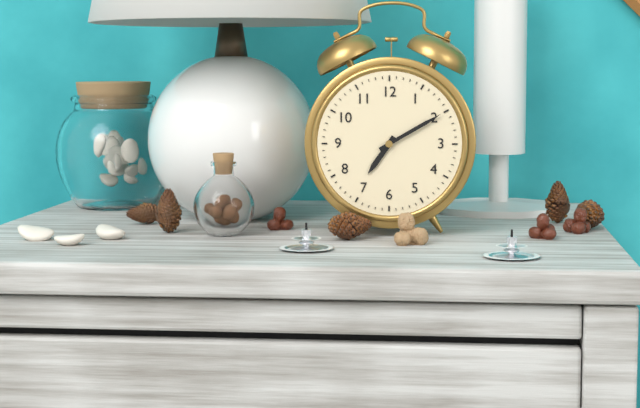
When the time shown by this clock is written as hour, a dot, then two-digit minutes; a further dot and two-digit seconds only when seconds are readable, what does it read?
7.10
